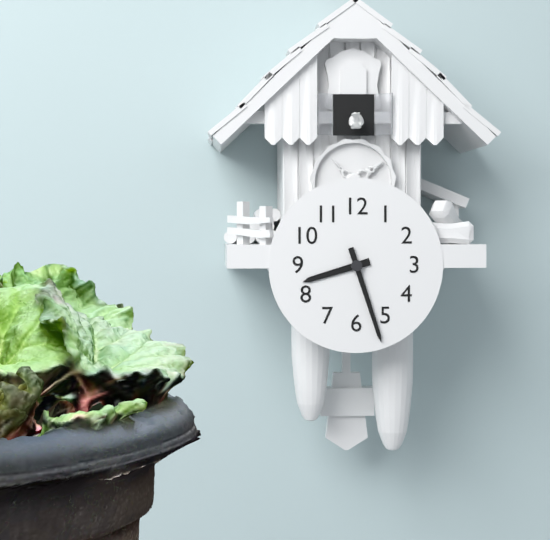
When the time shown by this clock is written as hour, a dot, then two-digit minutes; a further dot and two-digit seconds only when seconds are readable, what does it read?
8.27
